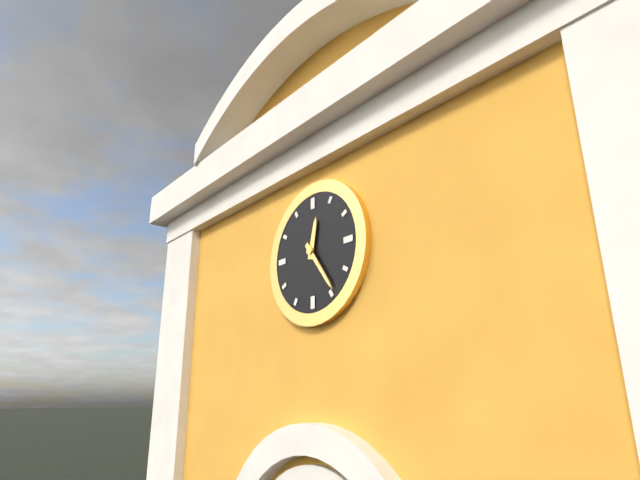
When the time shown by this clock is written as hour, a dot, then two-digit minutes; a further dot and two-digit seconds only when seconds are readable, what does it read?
12.24
